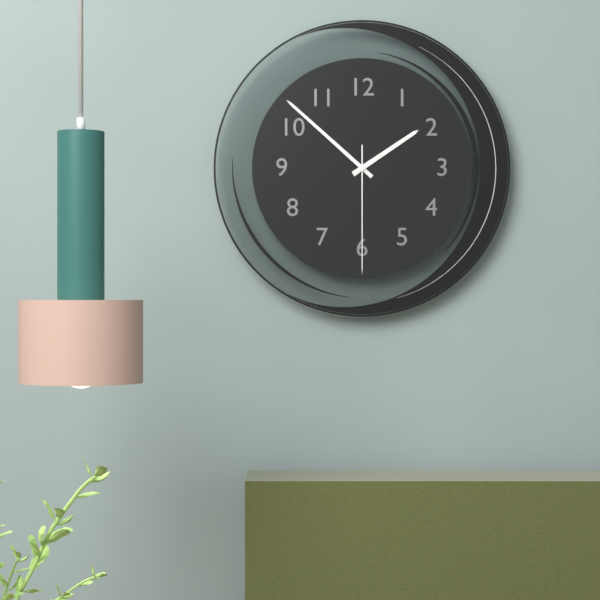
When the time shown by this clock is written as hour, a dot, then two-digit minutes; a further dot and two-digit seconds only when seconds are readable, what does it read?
1.52.30
